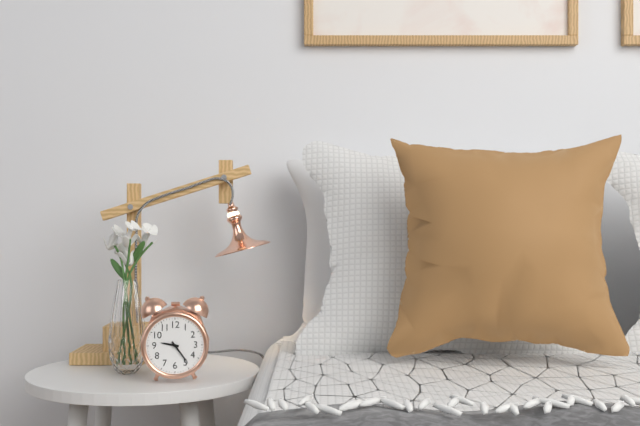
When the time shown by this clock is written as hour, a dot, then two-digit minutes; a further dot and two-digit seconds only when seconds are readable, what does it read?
9.24
